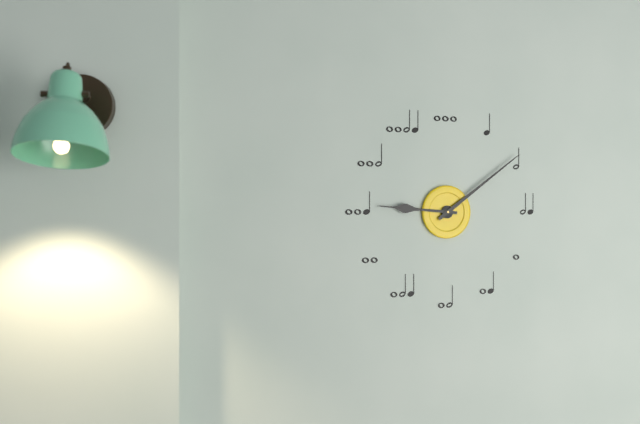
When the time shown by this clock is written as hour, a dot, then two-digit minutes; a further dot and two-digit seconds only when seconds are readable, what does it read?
9.09
